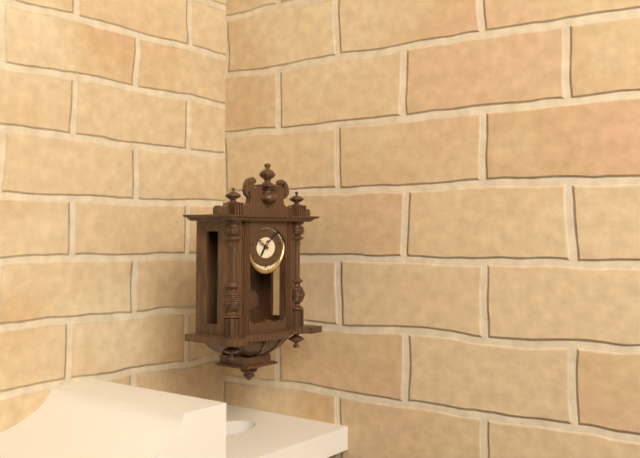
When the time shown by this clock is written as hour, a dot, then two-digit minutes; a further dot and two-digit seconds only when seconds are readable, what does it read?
7.09
